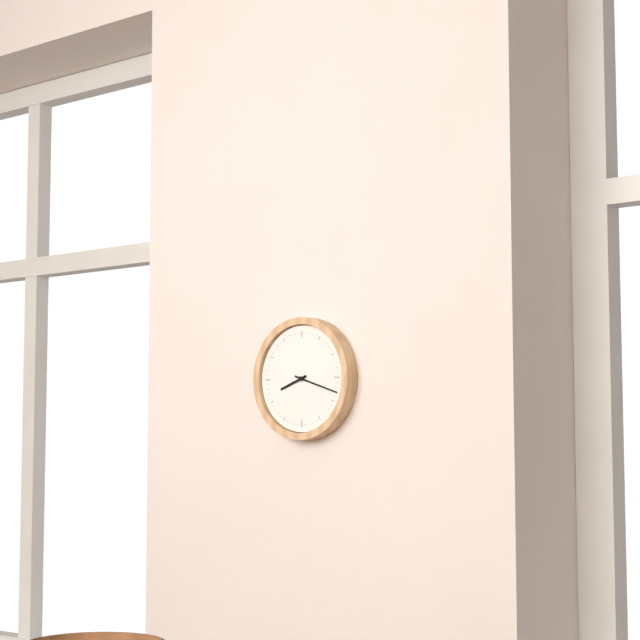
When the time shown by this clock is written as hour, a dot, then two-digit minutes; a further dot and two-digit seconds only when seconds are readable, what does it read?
8.18
